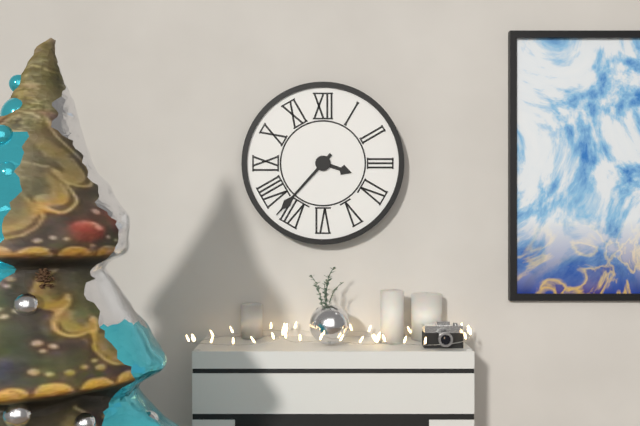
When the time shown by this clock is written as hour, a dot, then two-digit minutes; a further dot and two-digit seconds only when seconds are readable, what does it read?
3.37
